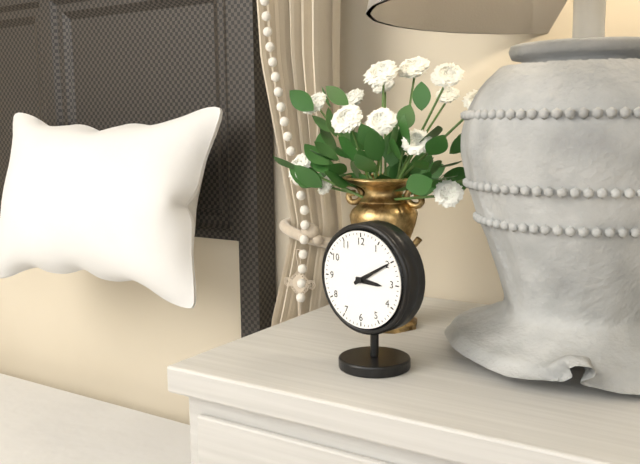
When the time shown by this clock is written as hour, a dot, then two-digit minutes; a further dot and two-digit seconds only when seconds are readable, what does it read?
3.10
